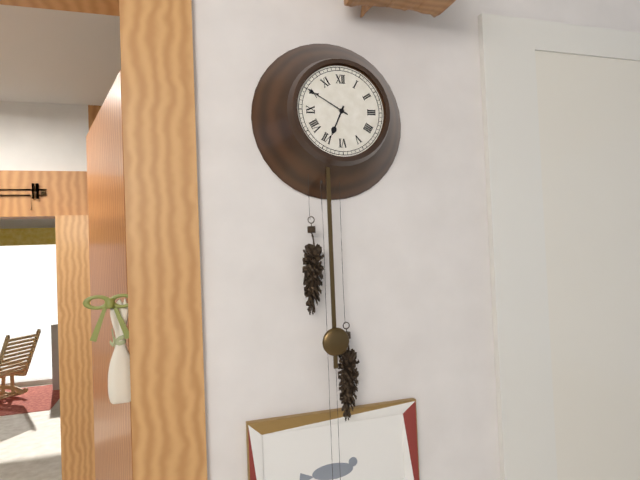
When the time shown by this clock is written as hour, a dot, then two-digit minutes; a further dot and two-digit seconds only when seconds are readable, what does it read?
6.50
